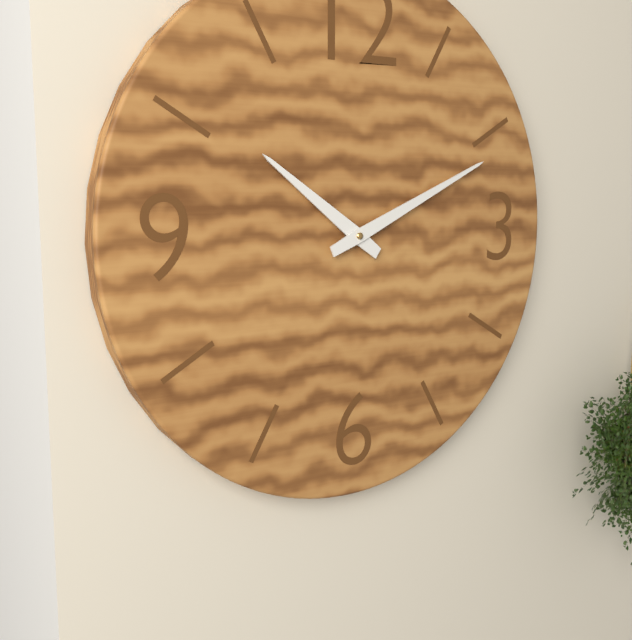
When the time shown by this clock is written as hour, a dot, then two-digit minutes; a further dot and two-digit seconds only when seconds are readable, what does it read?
10.11
